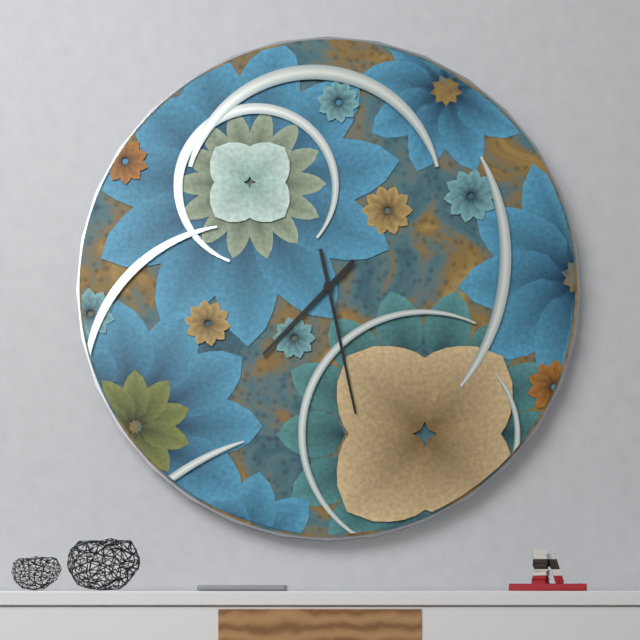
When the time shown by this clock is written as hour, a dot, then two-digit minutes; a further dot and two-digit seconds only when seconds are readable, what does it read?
7.28
